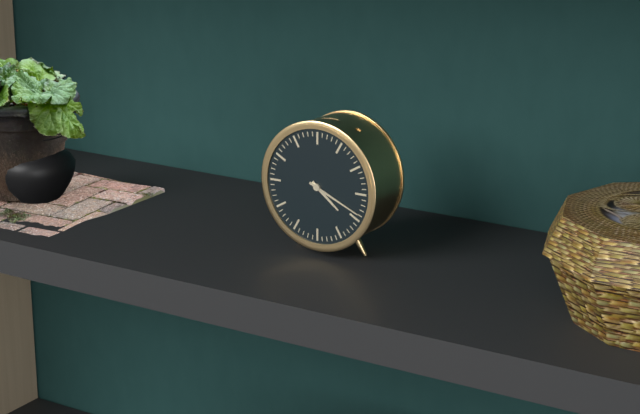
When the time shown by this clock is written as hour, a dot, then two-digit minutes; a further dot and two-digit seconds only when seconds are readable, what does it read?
4.19
